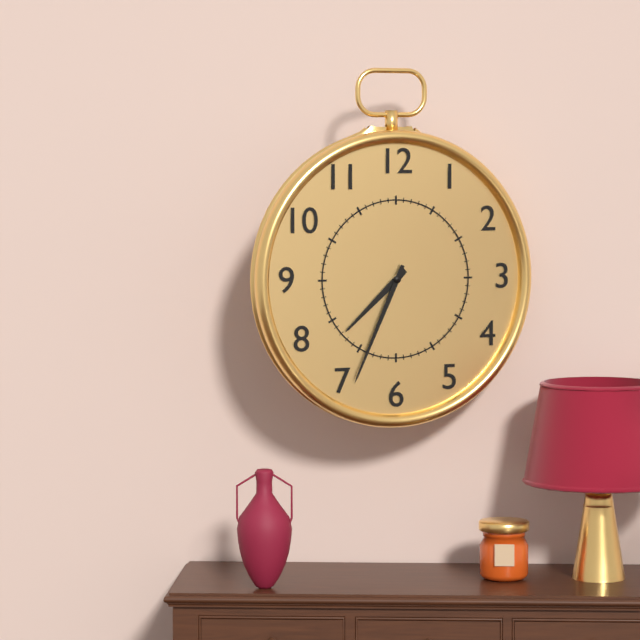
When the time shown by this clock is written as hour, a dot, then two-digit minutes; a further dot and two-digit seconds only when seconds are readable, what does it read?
7.34
